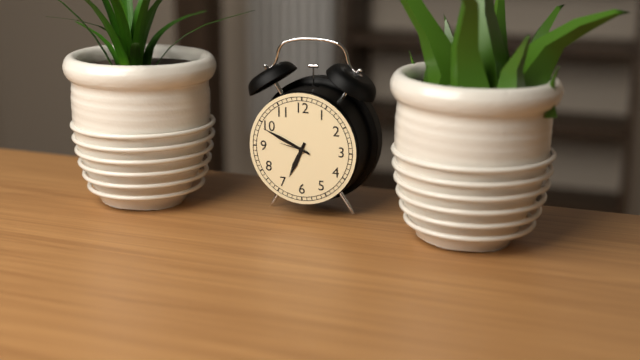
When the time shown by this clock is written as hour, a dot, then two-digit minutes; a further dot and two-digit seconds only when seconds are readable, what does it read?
6.49
